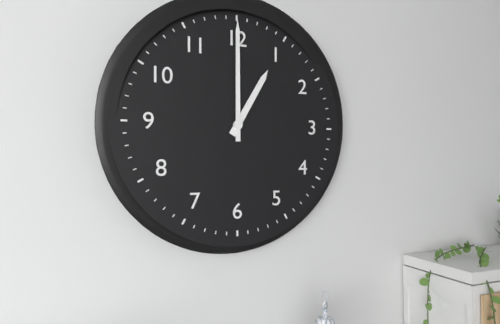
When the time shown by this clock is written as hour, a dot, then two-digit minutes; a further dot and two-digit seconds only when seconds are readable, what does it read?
1.00
